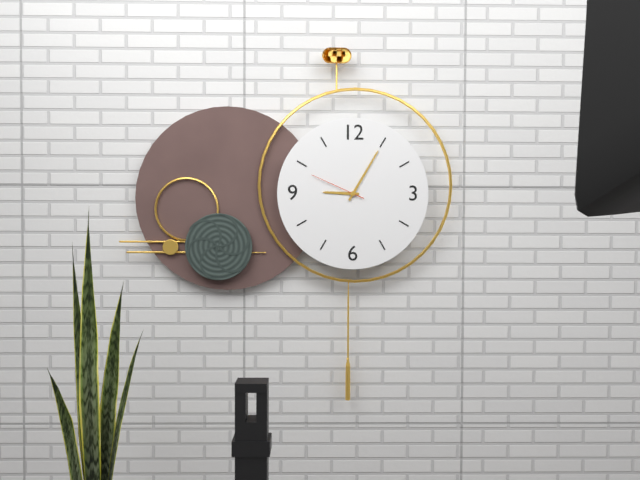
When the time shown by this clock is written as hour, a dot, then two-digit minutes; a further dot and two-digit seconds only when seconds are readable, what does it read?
9.05.49
